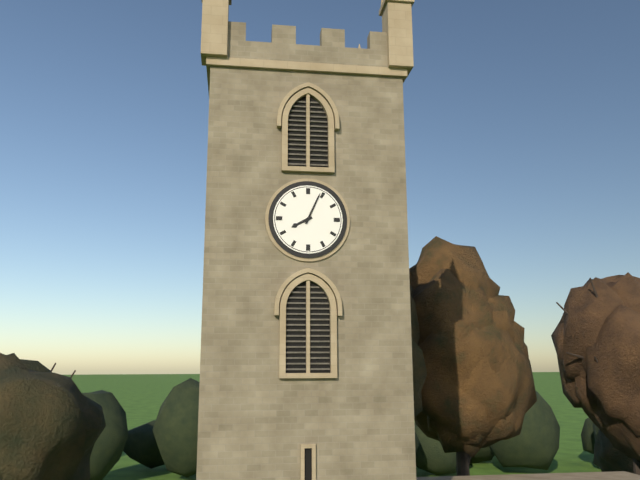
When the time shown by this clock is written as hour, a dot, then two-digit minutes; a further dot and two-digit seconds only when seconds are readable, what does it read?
8.04
